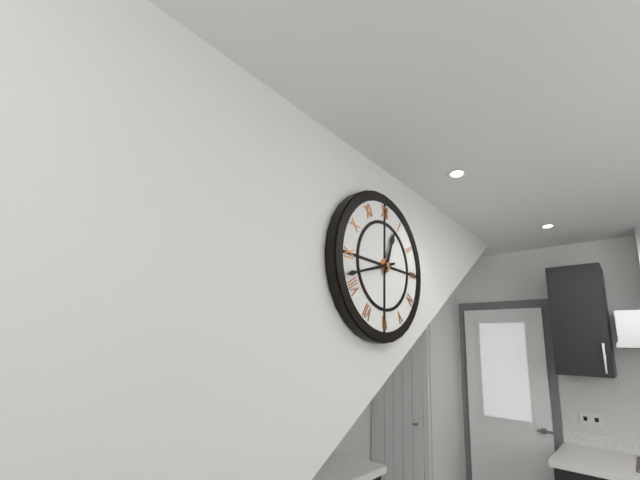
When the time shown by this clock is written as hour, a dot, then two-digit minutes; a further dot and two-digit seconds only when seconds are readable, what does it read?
12.42
